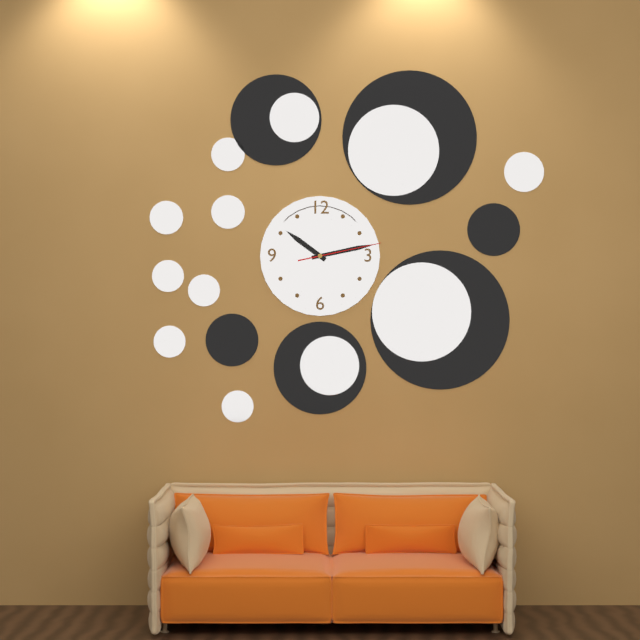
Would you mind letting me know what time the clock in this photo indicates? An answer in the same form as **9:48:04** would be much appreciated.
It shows **10:13:13**
